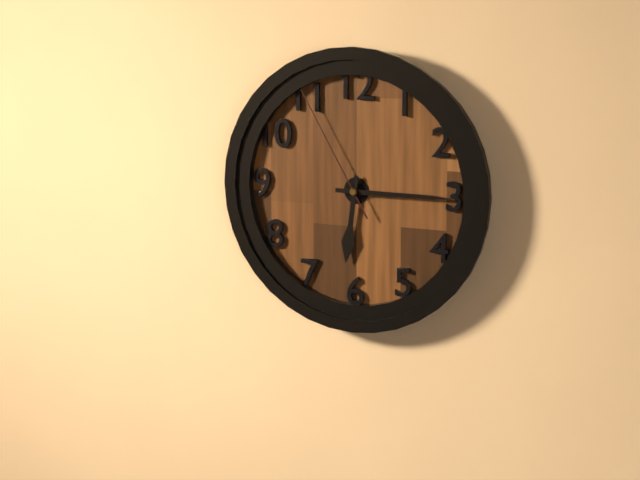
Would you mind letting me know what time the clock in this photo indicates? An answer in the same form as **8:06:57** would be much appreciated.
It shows **6:15:55**
